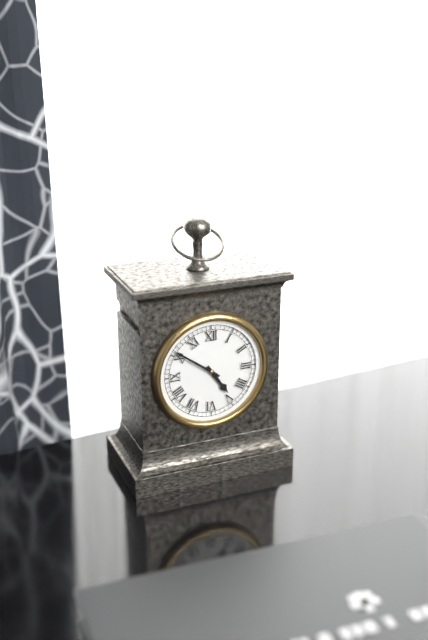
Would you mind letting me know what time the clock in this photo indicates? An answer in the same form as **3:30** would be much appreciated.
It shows **4:51**
